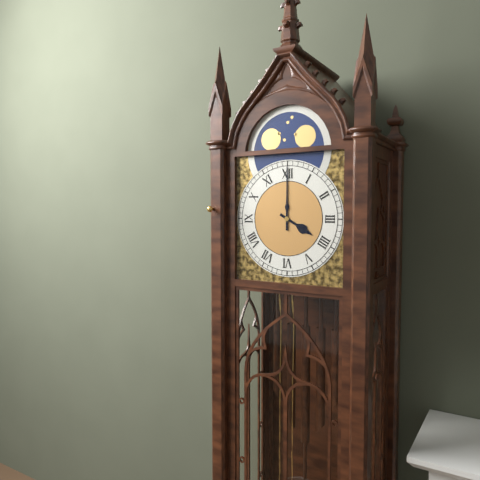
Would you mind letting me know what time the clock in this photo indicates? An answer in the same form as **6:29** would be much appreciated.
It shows **4:00**
